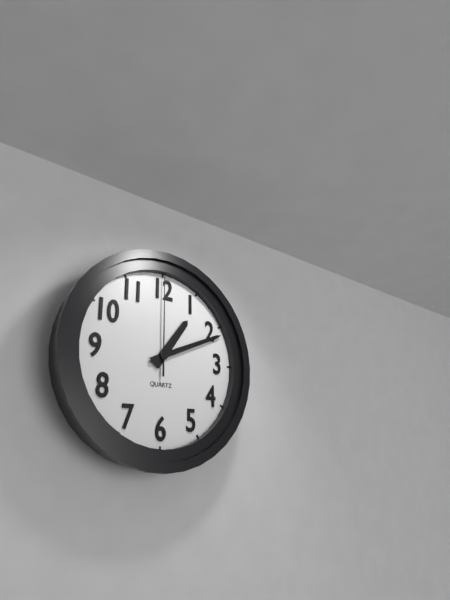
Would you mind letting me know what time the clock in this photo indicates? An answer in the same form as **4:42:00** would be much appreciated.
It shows **1:11:00**
